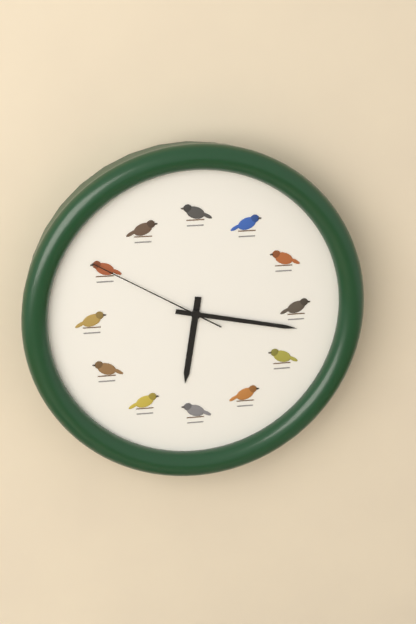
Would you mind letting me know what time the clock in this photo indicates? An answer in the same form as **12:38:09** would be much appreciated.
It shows **6:17:50**
